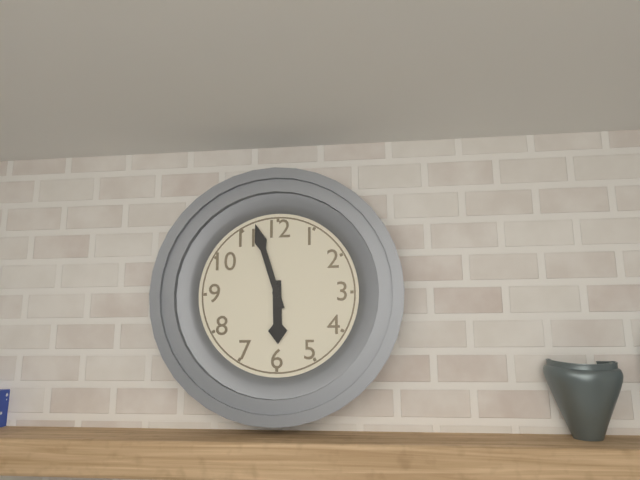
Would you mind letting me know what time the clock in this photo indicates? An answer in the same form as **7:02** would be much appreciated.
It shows **5:57**
